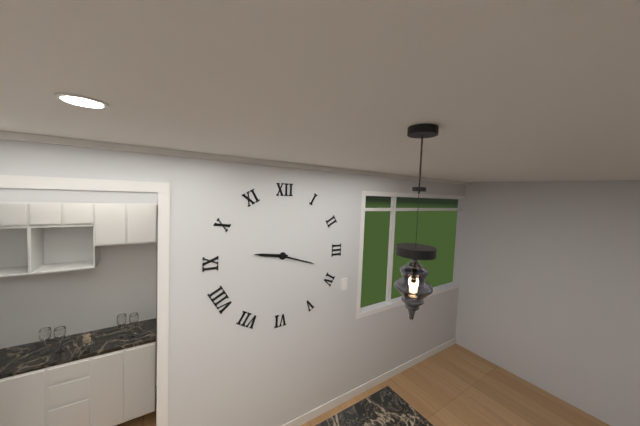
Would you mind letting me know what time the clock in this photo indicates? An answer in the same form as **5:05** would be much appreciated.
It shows **9:18**
